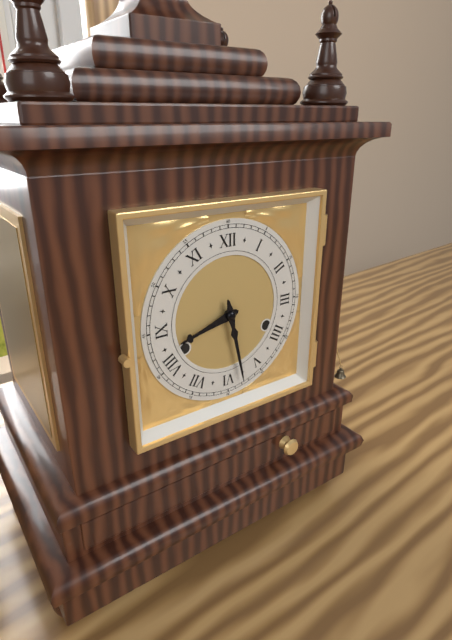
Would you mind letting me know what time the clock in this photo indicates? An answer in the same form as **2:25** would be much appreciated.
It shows **8:28**
